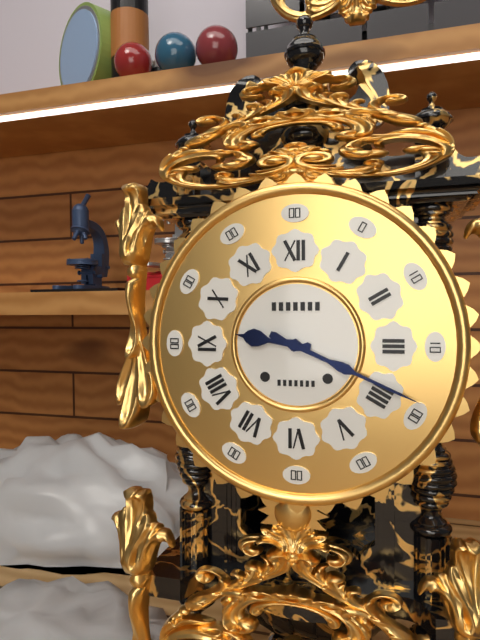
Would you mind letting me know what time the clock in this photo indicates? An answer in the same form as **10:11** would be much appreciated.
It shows **9:19**
